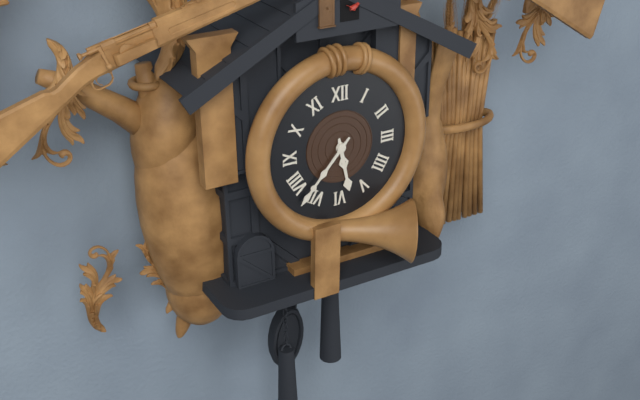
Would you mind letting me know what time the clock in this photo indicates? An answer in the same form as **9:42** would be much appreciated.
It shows **5:37**
